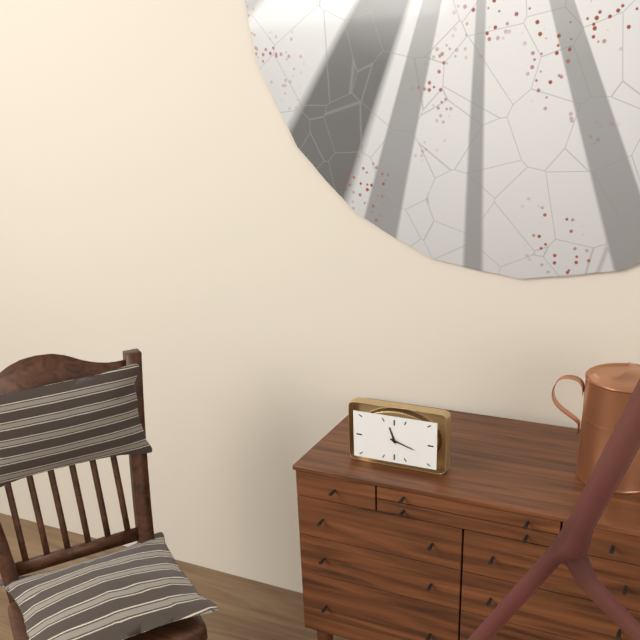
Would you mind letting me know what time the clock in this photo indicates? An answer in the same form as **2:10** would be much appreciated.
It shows **11:18**
